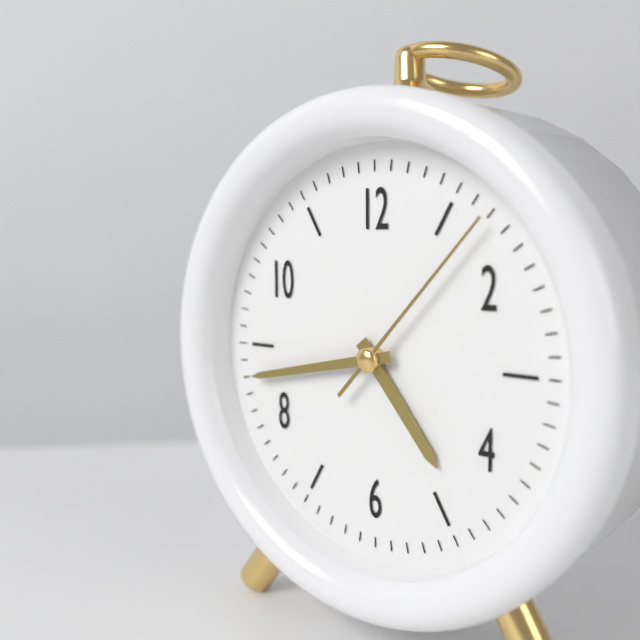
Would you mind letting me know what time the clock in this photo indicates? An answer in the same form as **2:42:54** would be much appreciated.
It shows **4:43:07**
